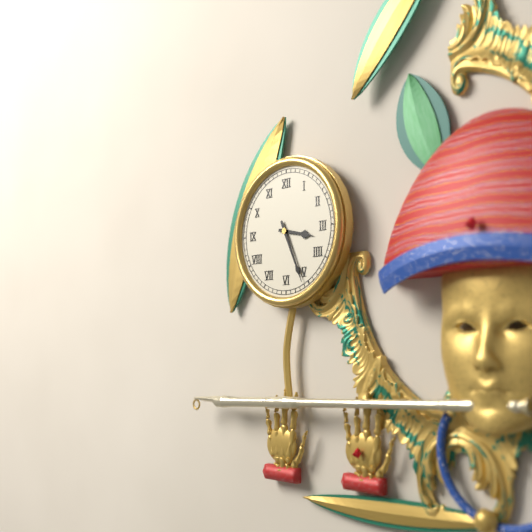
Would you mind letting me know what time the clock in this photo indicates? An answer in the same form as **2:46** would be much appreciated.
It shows **3:26**
